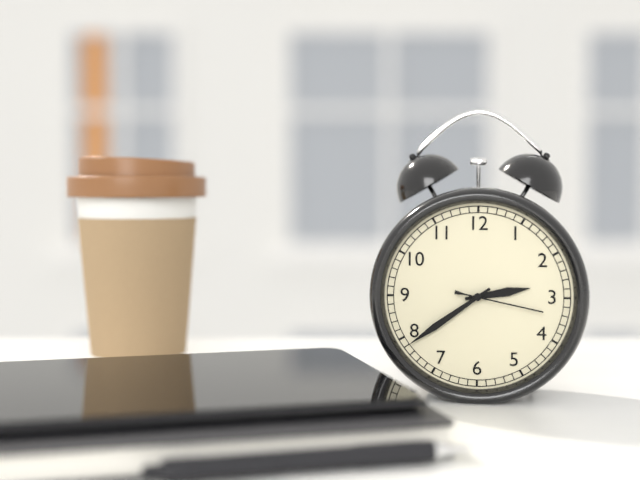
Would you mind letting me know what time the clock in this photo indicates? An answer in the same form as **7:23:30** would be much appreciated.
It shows **2:39:17**
